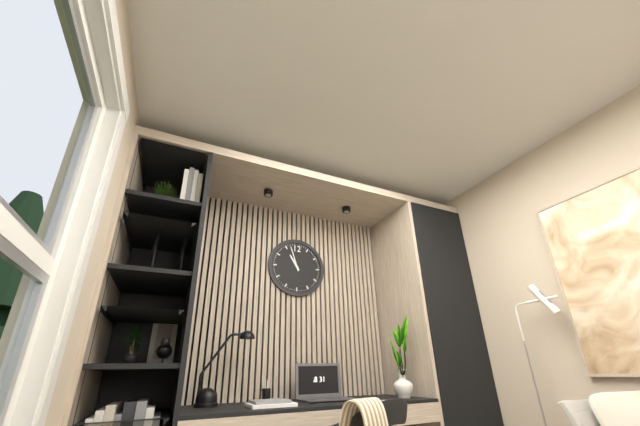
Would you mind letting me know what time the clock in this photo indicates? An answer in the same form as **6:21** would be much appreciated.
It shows **10:57**
